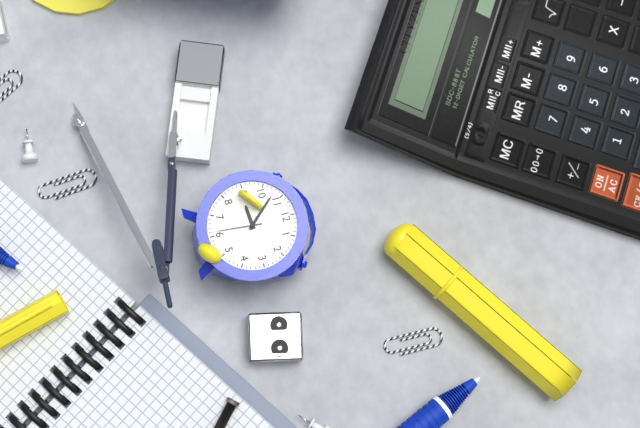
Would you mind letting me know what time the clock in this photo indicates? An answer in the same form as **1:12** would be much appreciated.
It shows **8:53**
